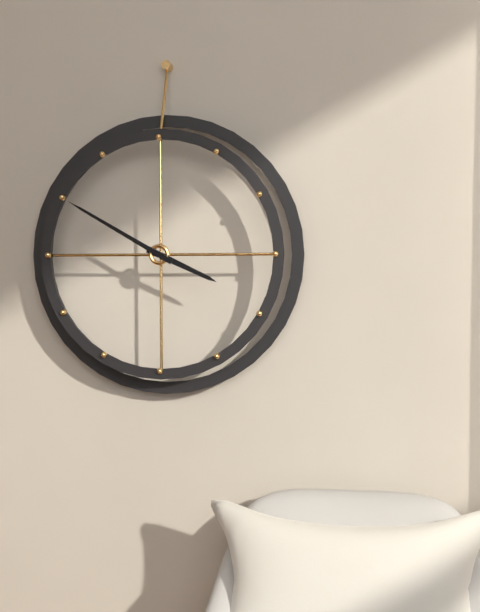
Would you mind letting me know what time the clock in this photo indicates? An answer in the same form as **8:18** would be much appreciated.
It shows **3:50**
